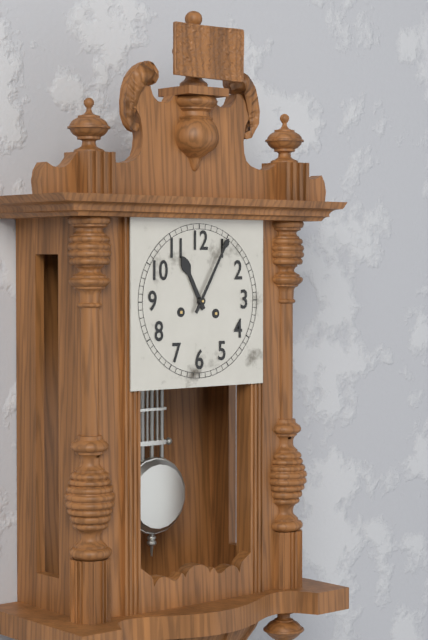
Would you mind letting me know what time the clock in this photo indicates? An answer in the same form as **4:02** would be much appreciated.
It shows **11:05**
